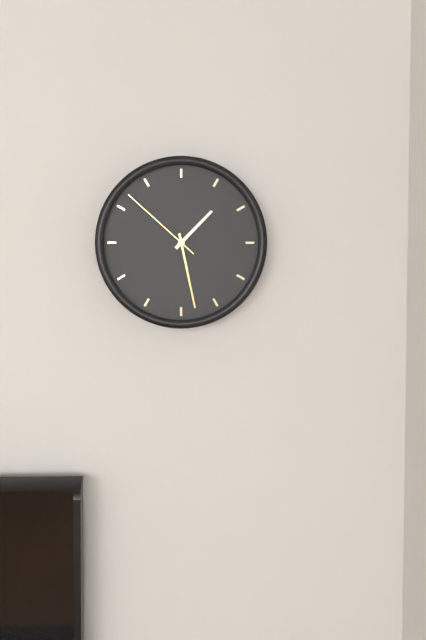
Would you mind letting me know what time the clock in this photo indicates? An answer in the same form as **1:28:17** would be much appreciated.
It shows **1:28:52**
